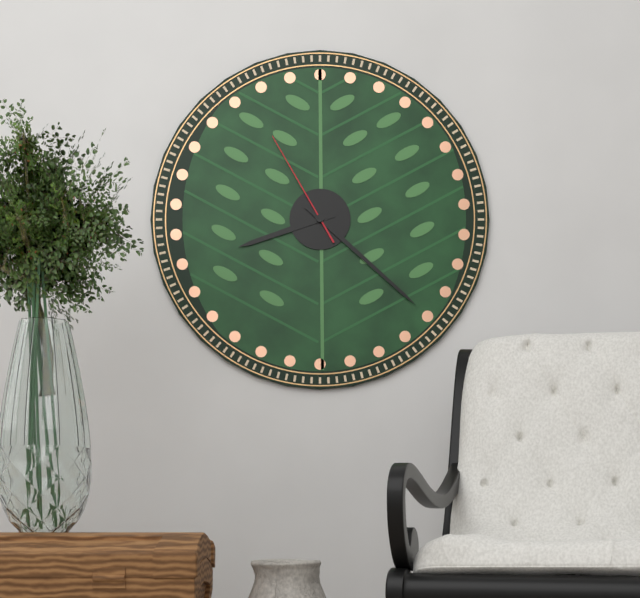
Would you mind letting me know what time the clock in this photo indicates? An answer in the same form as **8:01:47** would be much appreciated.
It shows **8:22:55**
